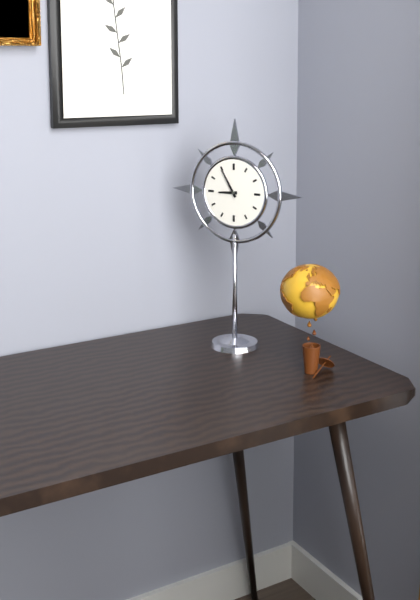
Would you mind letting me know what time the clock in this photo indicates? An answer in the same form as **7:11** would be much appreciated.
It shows **8:55**
